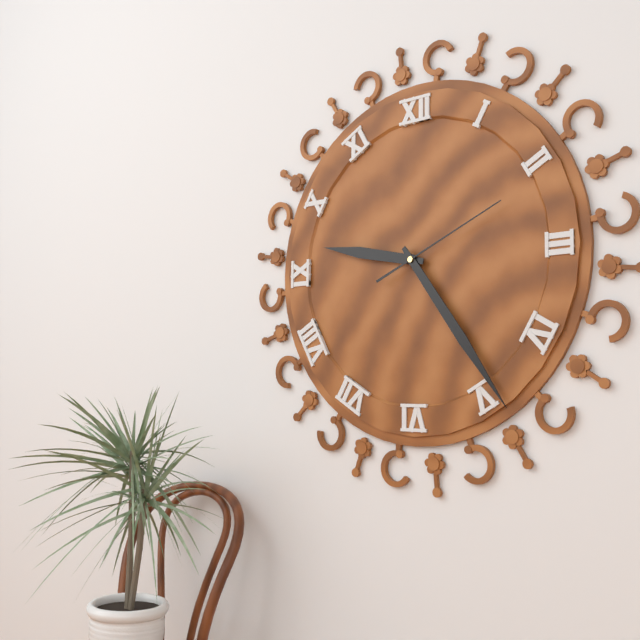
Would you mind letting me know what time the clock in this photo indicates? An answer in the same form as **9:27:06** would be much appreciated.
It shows **9:24:11**
